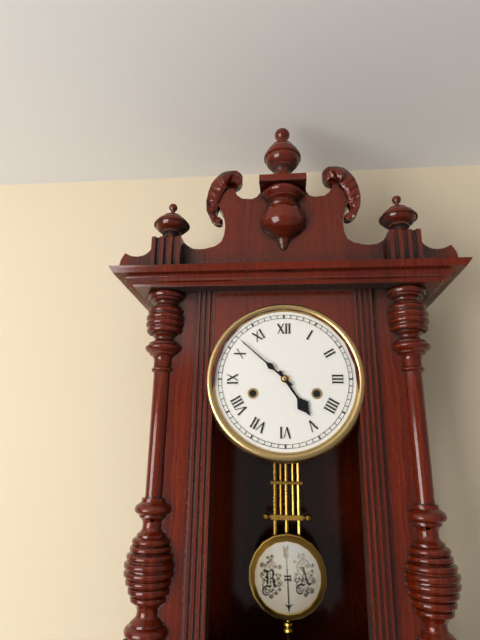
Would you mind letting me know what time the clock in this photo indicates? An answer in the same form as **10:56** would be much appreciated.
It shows **4:52**
